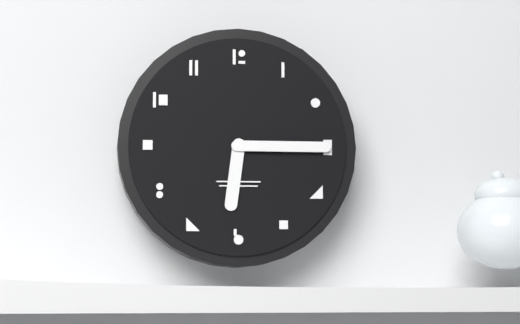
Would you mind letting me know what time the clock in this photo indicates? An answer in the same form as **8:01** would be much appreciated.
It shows **6:15**
